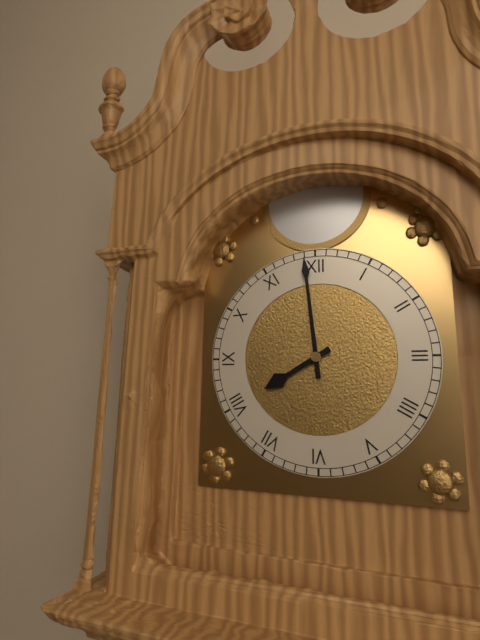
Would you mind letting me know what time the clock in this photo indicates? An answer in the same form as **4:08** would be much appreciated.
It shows **7:59**
